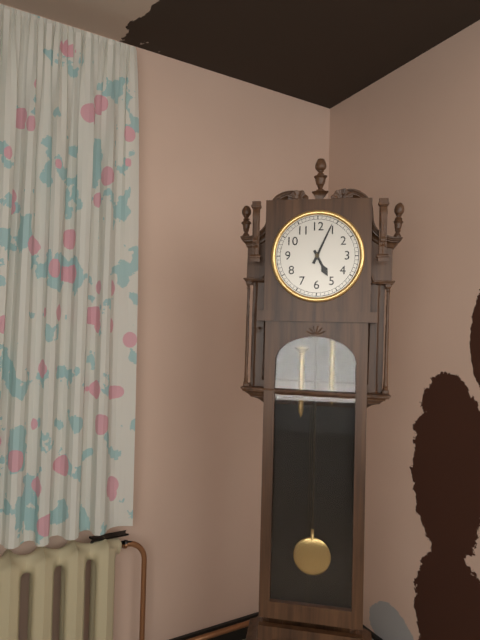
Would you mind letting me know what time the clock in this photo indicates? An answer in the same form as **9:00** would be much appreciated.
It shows **5:04**
